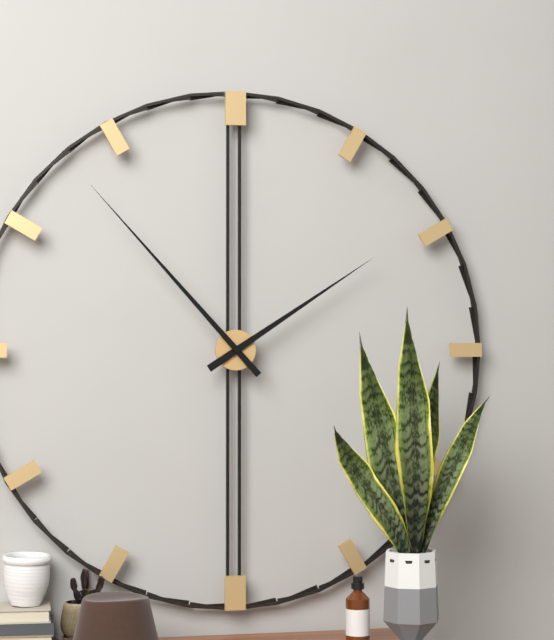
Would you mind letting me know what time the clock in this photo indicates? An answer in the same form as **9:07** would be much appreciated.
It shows **1:53**
